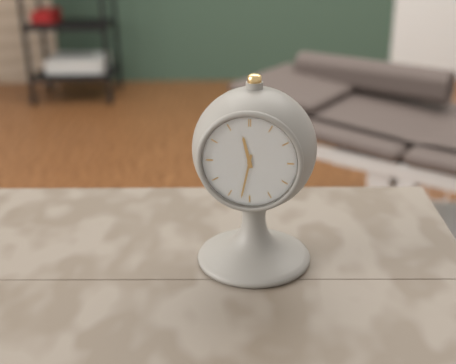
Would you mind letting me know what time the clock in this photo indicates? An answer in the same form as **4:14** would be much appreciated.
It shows **11:32**
